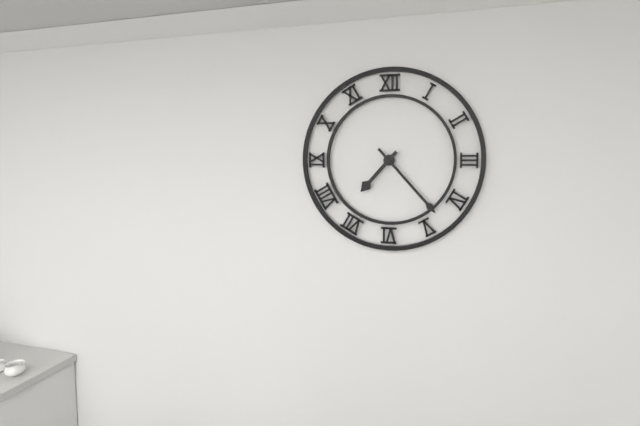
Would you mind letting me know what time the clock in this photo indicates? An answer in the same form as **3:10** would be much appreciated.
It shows **7:23**
